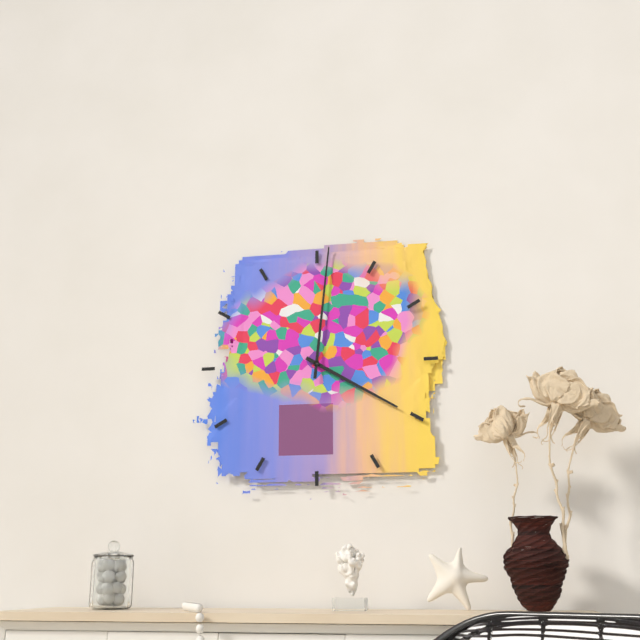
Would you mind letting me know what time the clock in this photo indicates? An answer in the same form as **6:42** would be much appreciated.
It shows **4:01**
